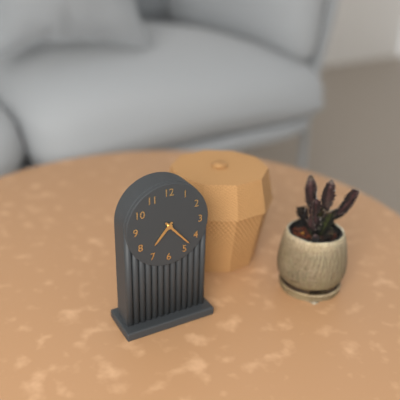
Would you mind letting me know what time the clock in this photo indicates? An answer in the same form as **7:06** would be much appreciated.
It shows **7:23**
